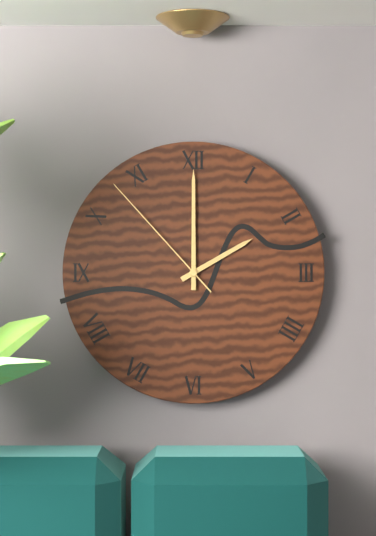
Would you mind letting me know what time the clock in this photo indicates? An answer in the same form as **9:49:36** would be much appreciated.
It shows **2:00:53**
